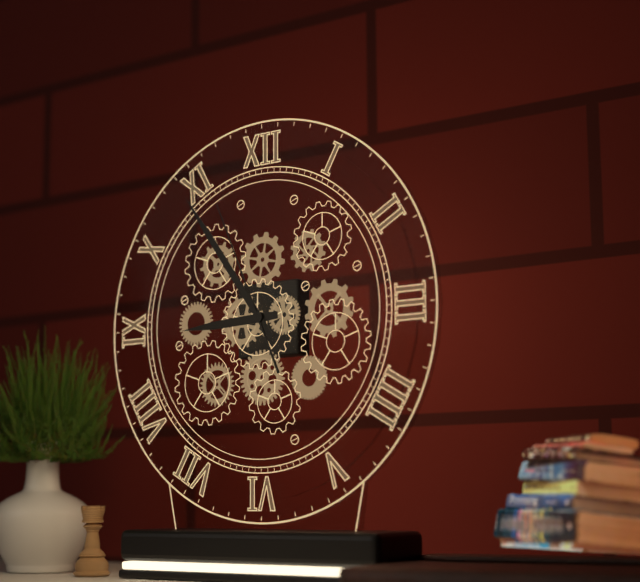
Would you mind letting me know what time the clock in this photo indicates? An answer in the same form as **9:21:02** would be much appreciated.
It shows **8:54:56**
